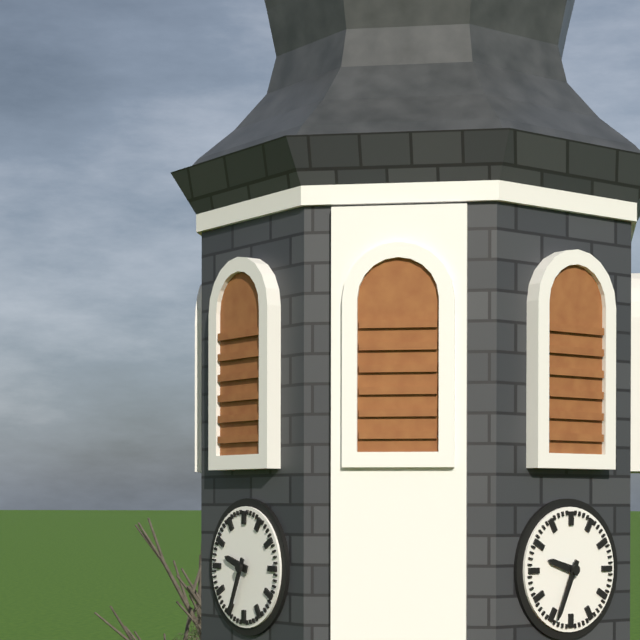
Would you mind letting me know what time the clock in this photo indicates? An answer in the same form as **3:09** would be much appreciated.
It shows **9:34**
